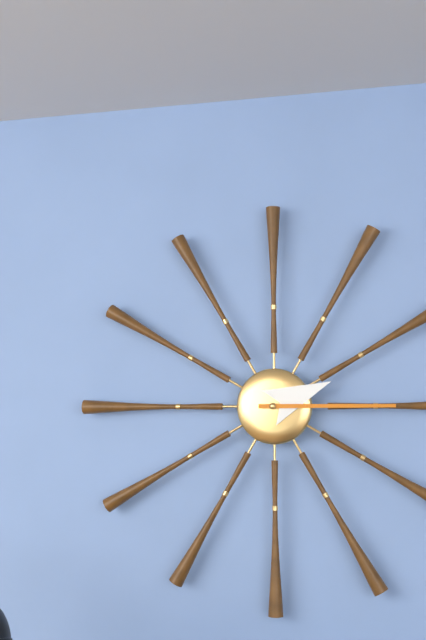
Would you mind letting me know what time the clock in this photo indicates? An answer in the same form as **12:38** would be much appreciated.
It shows **2:15**
